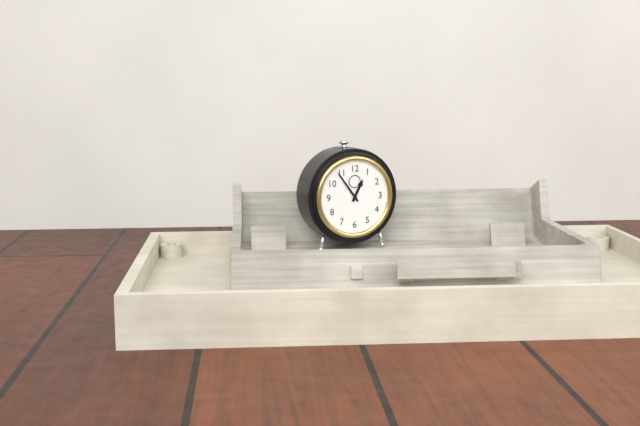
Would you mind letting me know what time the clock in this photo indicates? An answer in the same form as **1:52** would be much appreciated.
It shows **12:54**
